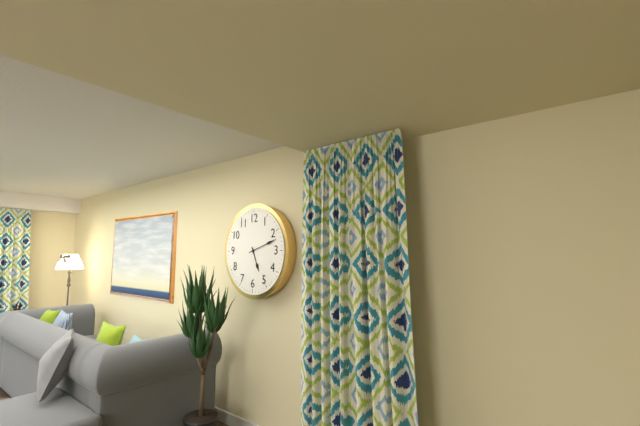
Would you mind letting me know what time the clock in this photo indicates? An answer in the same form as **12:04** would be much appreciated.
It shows **5:12**
